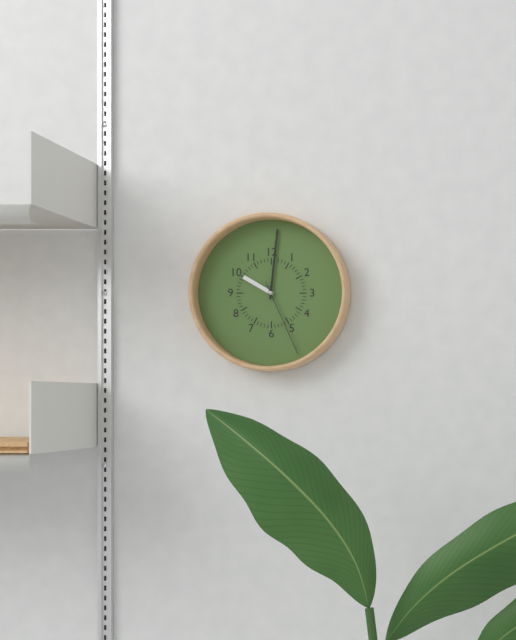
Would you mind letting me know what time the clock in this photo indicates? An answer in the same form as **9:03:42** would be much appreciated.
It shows **10:01:26**
